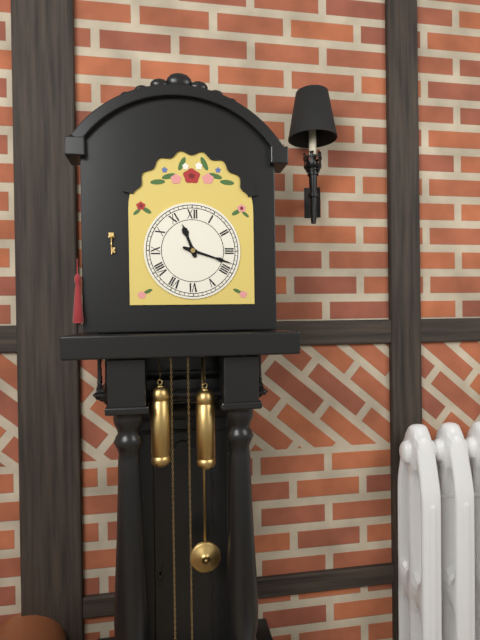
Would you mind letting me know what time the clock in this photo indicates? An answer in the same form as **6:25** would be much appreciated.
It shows **11:18**
